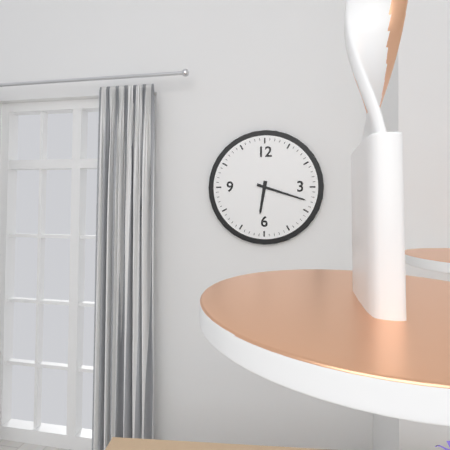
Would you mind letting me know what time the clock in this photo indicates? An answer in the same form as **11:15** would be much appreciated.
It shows **6:18**
